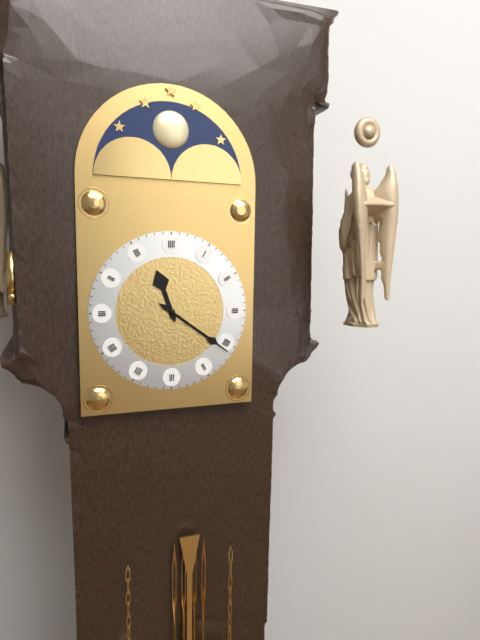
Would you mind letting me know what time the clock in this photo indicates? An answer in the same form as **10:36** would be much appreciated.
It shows **11:21**
